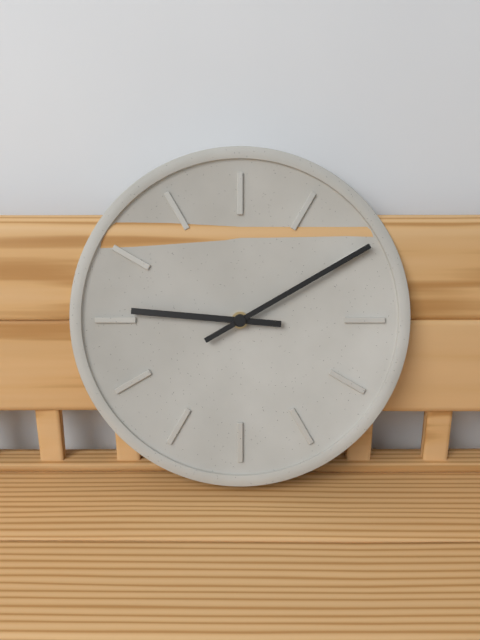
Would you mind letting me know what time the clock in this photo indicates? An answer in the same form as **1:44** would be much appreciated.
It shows **9:10**
